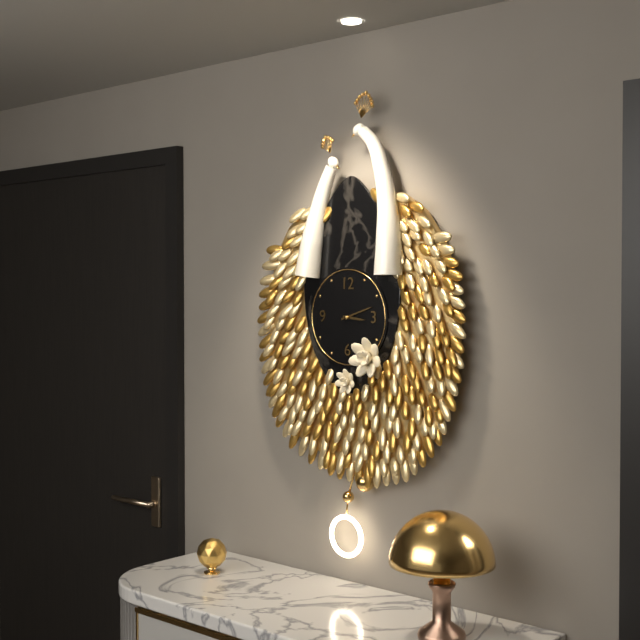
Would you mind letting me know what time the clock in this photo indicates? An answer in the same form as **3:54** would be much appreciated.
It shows **3:12**
